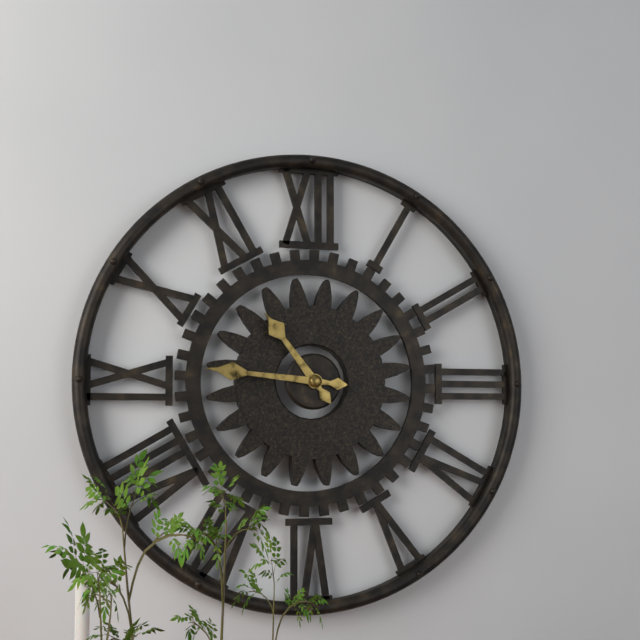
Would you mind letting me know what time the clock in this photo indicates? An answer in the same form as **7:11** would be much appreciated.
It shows **10:46**
